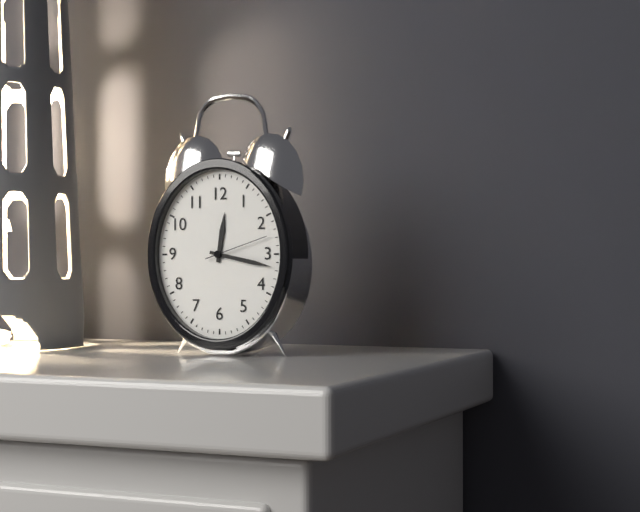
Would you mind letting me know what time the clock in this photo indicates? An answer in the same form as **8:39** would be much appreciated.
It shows **12:17**
